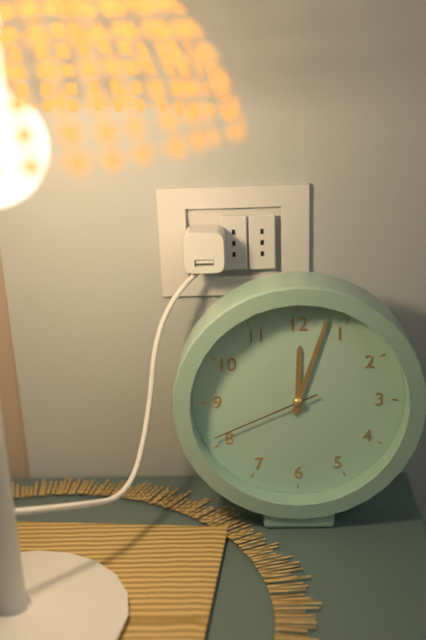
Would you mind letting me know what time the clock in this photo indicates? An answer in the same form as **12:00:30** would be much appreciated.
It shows **12:03:41**
